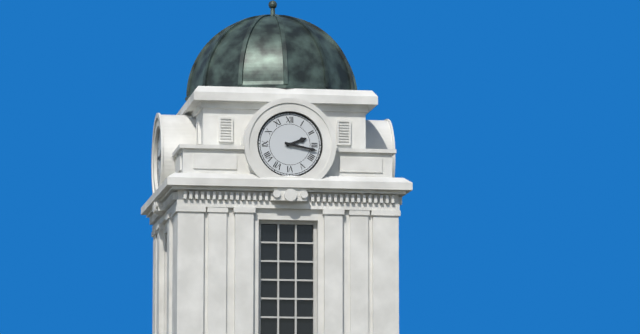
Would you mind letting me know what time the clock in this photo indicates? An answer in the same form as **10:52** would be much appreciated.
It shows **2:17**
